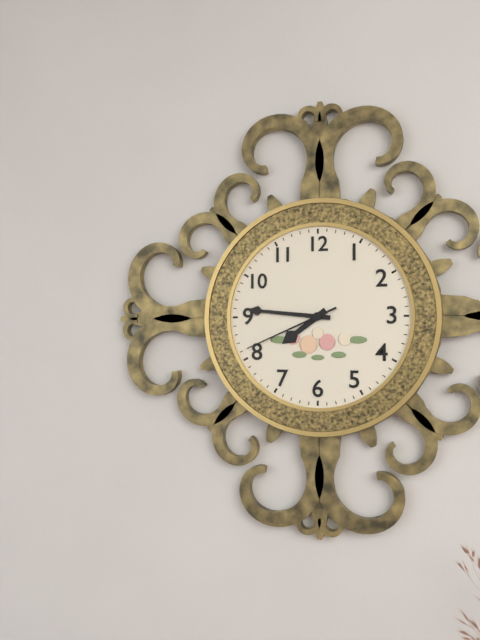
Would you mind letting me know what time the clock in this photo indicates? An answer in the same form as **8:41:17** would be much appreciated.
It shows **7:46:41**
